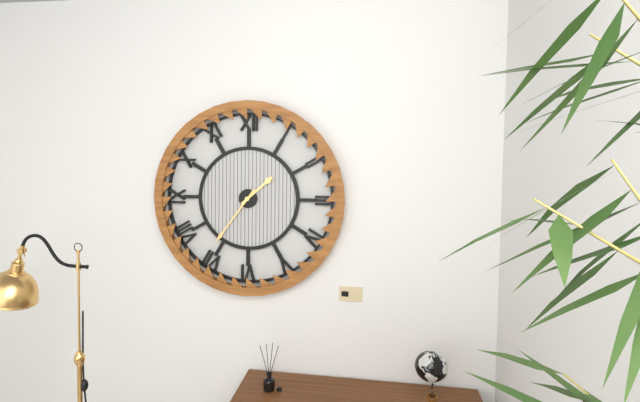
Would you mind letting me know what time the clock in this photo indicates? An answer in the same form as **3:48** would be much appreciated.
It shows **1:36**
